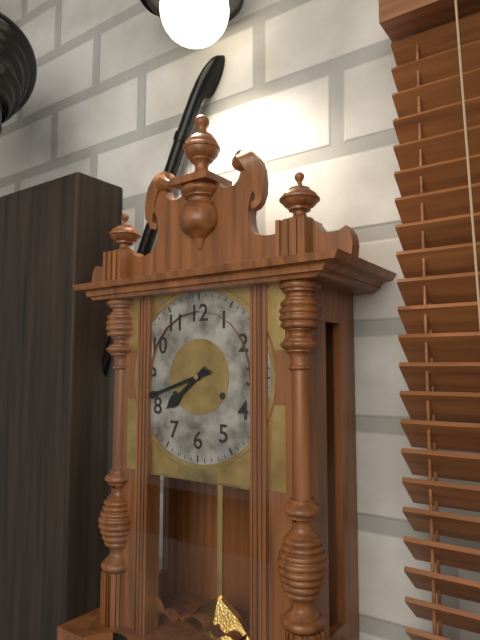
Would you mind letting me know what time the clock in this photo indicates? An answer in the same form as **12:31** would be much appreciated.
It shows **7:42**
